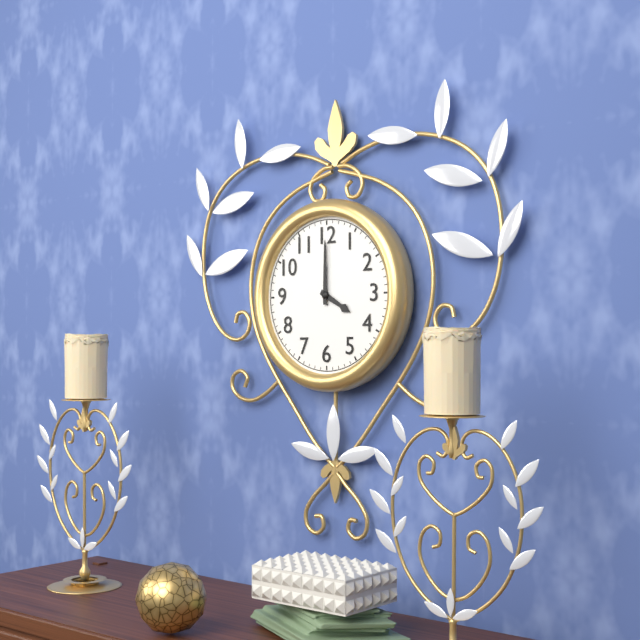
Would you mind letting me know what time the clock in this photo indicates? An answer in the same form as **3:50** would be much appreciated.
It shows **4:00**
